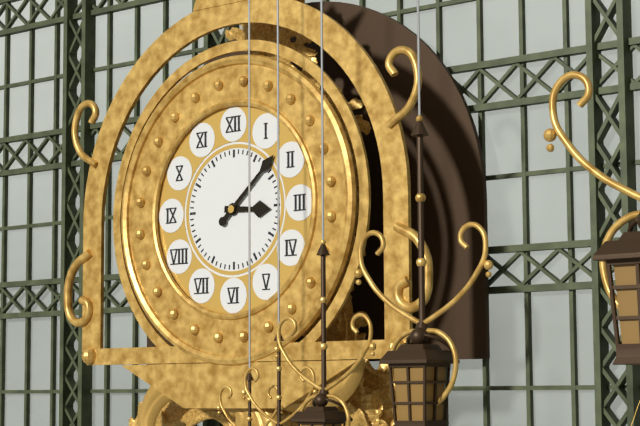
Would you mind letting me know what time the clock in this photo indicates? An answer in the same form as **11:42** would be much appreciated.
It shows **3:08**
